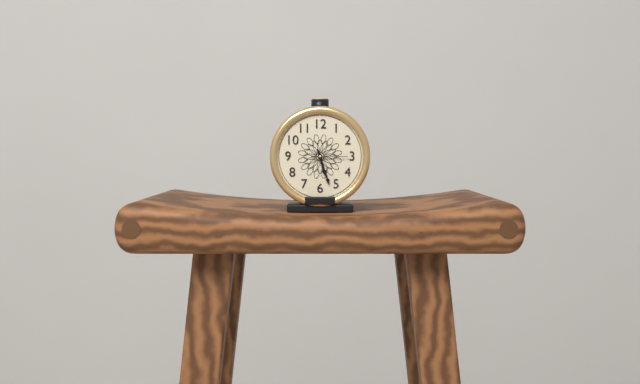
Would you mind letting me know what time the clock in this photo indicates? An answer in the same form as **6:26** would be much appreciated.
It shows **5:27**
